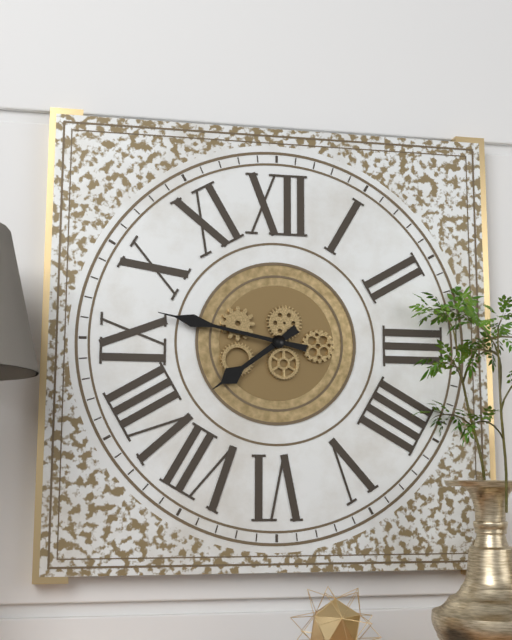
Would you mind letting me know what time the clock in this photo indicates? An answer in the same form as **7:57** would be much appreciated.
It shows **7:47**
